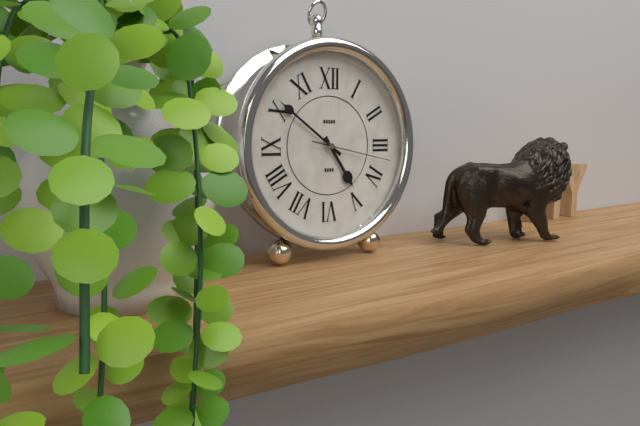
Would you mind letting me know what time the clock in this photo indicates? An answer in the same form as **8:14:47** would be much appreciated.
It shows **4:51:17**
